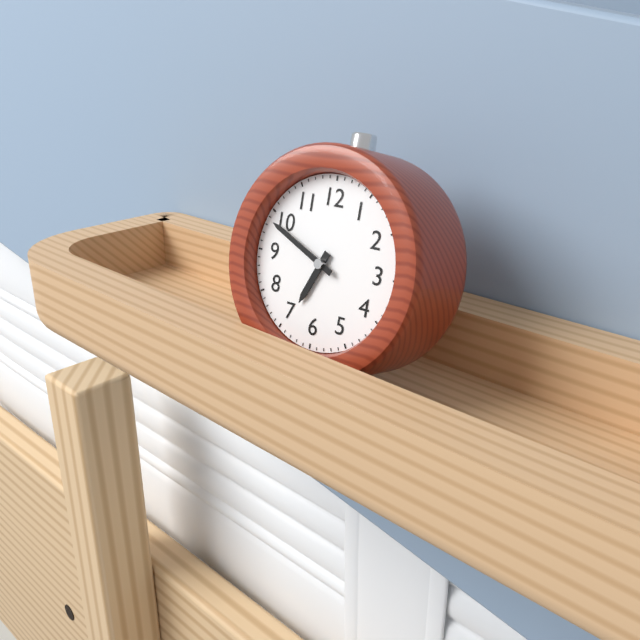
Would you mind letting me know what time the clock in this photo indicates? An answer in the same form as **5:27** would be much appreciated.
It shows **6:49**
